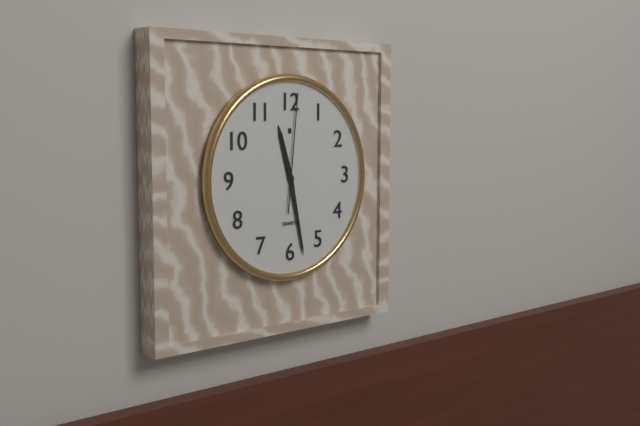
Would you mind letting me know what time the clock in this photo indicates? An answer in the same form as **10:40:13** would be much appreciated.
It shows **11:28:01**
